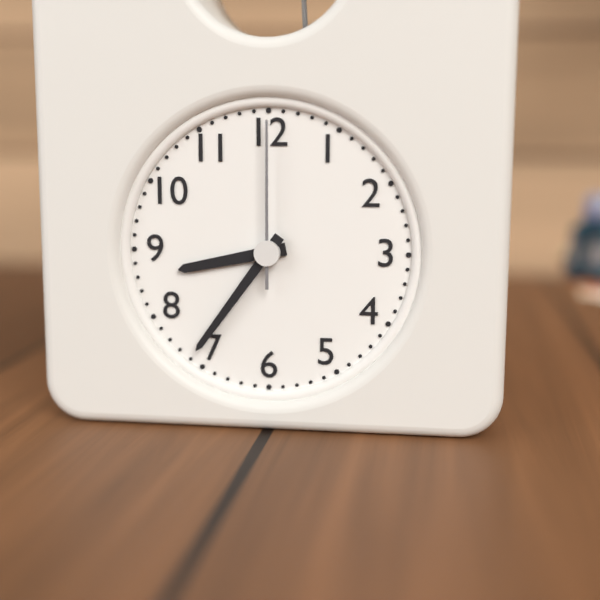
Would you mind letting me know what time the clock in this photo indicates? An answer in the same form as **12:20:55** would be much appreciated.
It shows **8:36:00**
